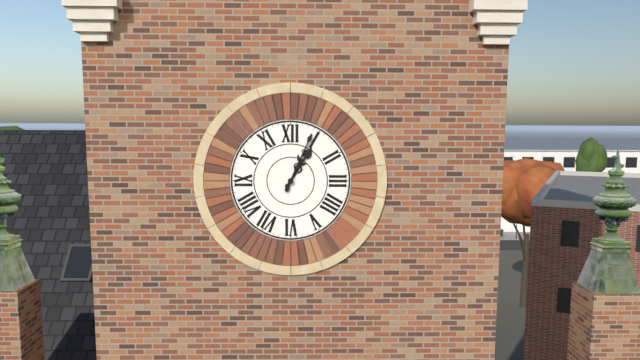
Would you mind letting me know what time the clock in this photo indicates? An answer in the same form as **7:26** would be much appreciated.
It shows **1:04**
